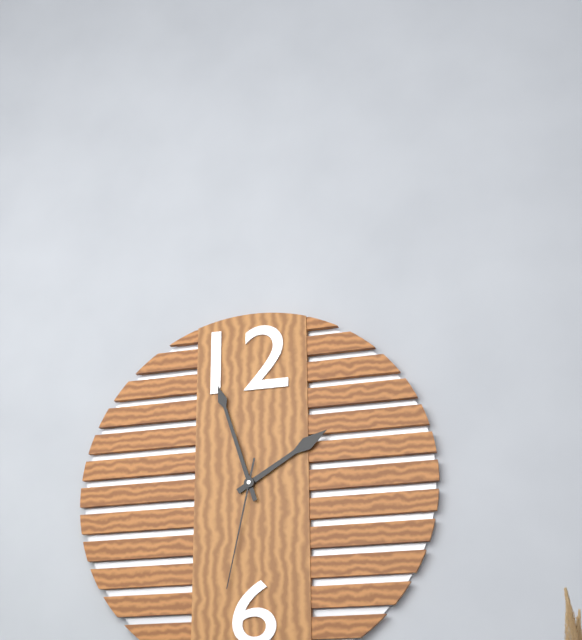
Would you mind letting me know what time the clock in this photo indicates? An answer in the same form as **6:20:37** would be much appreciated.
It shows **1:57:32**
